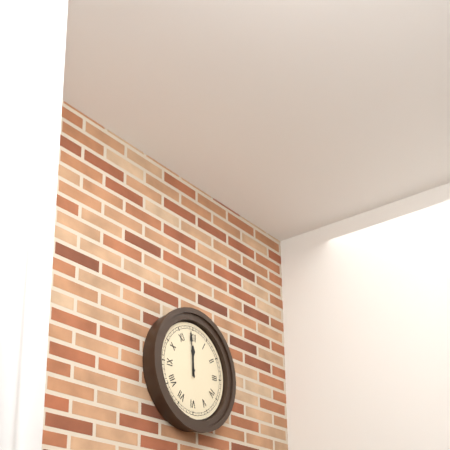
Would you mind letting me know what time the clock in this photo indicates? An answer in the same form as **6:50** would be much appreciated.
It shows **11:59**
